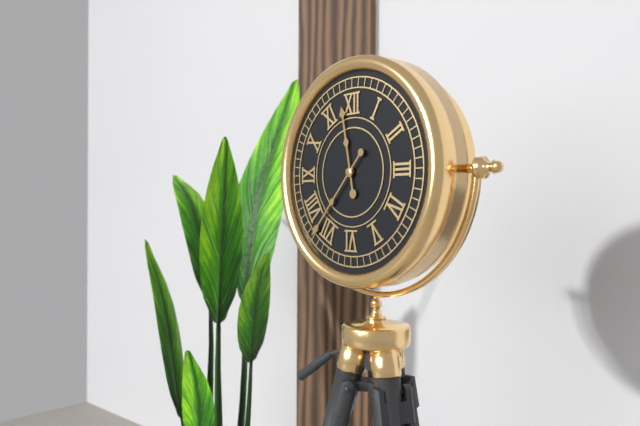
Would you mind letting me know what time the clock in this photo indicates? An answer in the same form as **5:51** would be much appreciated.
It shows **11:37**
